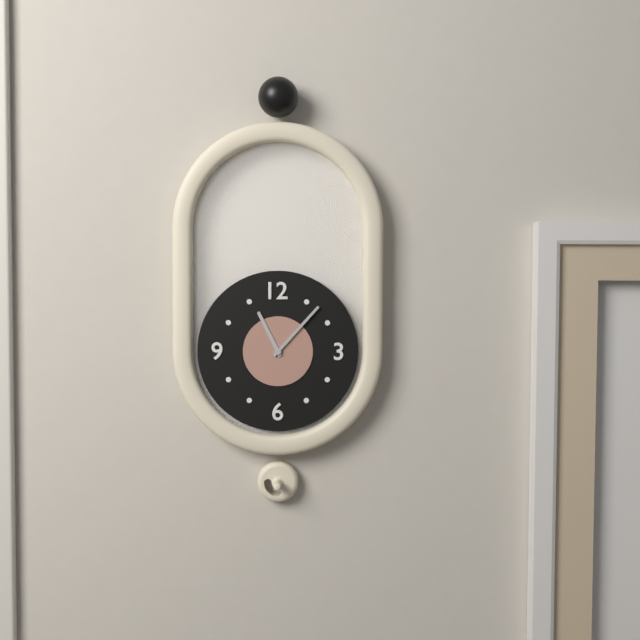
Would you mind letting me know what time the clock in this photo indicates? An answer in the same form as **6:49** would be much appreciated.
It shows **11:07**
